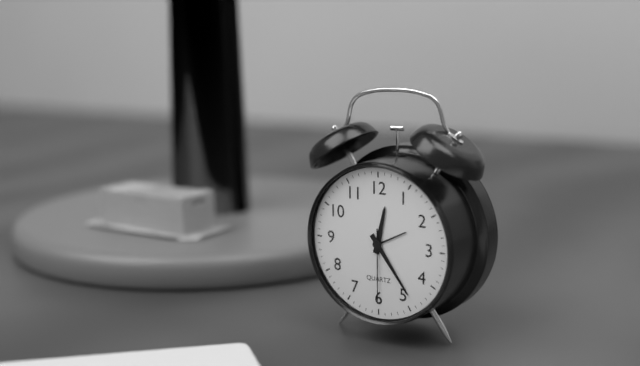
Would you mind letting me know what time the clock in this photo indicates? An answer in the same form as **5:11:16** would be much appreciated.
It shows **12:24:30**
